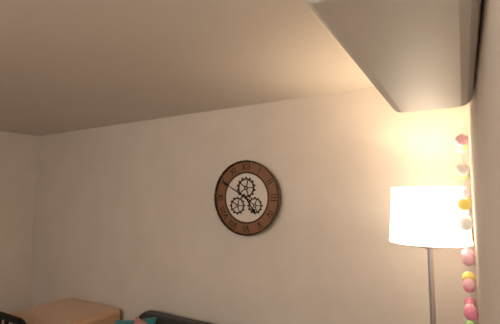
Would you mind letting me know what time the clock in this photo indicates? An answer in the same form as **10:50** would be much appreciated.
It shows **4:50**
